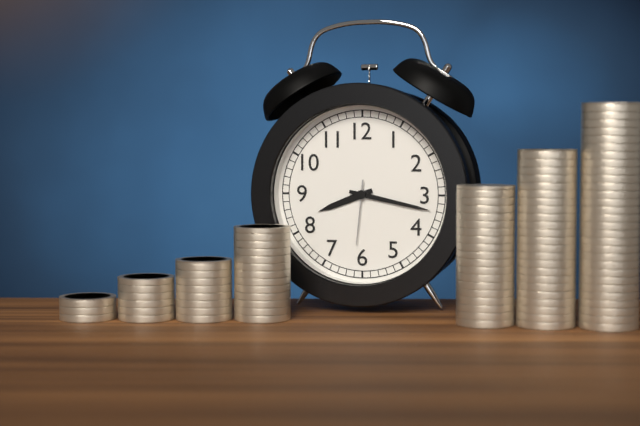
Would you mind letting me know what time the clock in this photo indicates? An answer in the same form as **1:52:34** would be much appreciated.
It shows **8:17:31**
